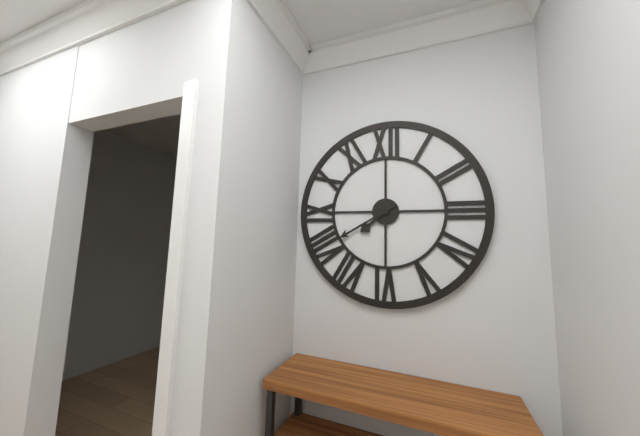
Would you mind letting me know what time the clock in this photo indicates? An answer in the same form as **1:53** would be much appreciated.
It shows **7:40**
